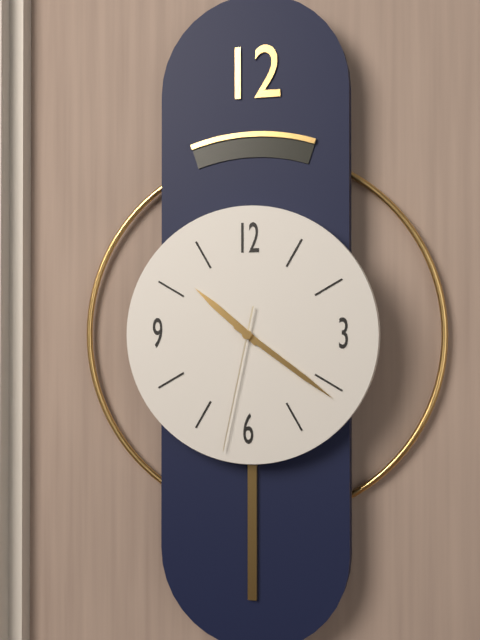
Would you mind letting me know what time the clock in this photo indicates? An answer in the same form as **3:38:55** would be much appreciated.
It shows **10:21:32**
